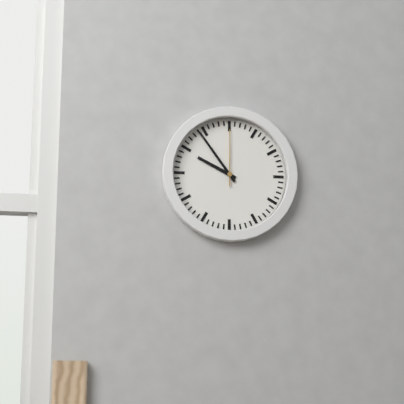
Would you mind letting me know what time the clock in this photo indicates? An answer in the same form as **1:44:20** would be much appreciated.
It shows **9:54:00**
